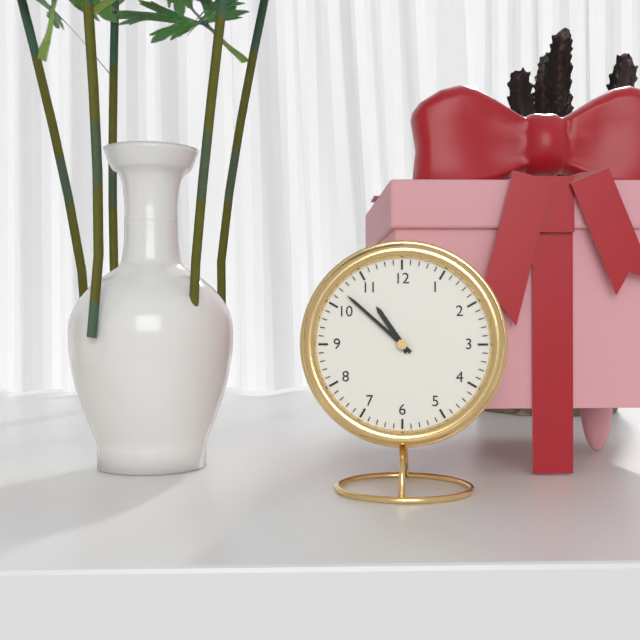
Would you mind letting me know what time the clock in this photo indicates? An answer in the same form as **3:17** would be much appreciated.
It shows **10:52**
